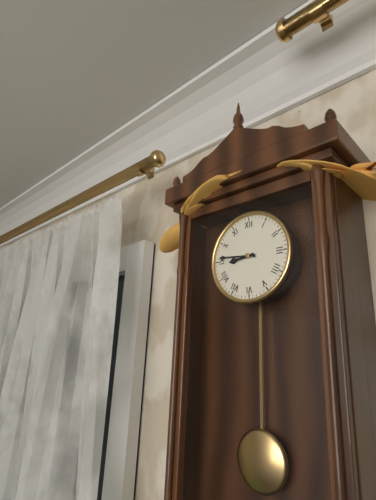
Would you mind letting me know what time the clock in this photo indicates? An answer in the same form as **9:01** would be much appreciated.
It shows **8:46**
